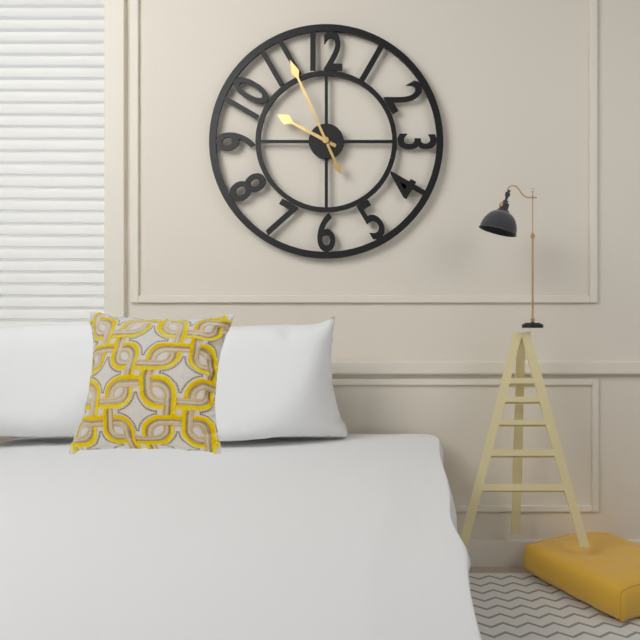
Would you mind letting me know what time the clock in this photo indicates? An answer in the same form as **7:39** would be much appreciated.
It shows **9:56**
